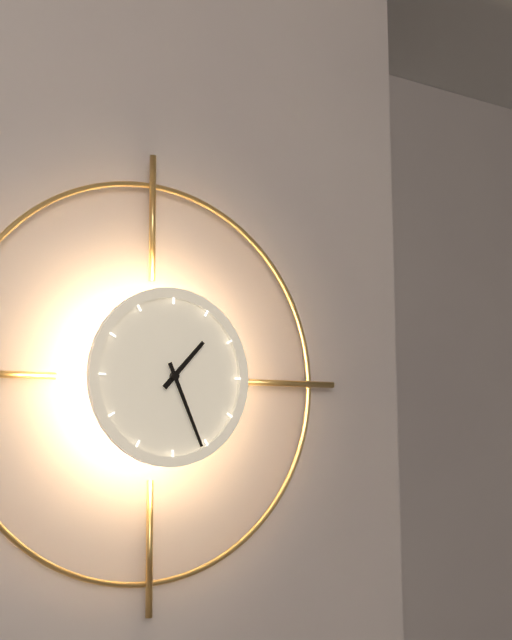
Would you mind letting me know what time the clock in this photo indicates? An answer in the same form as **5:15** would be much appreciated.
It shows **1:26**
